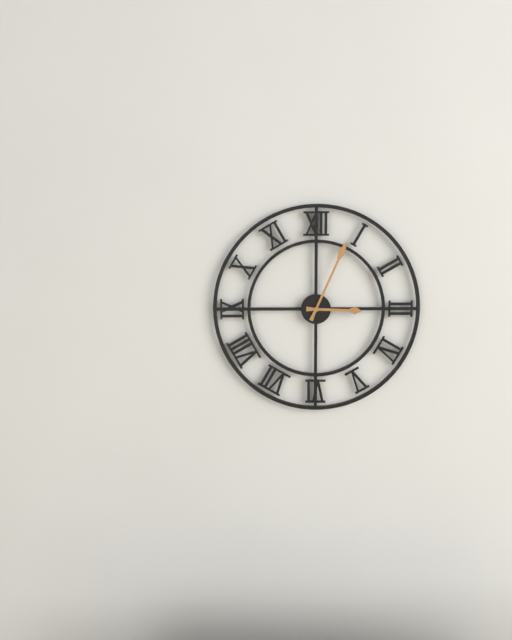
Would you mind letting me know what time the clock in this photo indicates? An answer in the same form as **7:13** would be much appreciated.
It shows **3:04**
